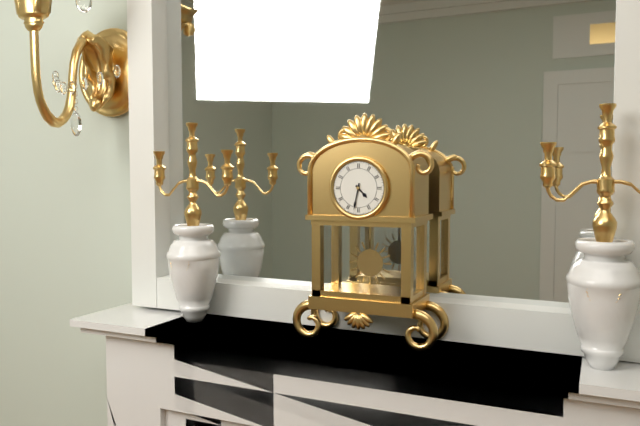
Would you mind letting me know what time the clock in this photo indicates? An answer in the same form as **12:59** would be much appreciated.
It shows **4:32**
